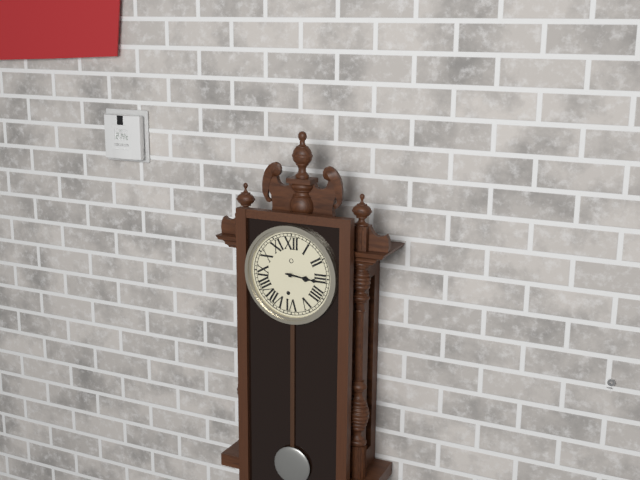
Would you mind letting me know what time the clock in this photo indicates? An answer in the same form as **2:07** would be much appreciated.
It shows **3:16**
